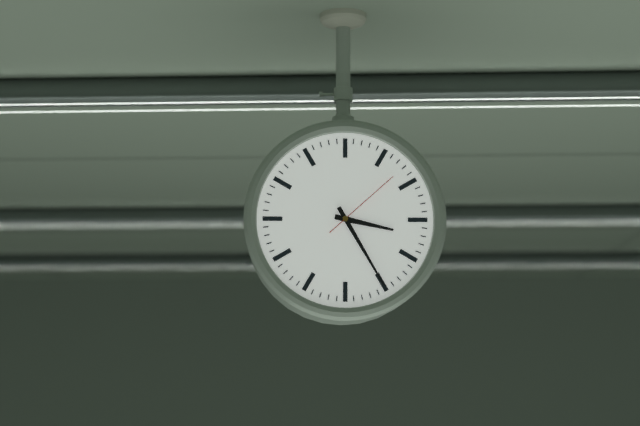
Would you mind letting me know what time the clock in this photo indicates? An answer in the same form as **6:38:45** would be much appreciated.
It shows **3:25:08**
